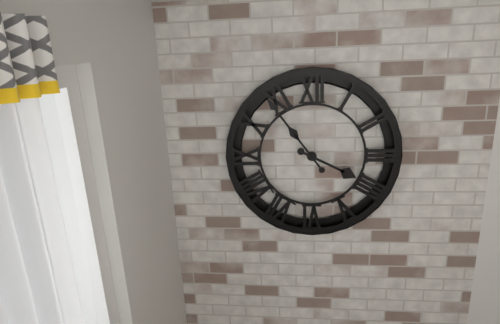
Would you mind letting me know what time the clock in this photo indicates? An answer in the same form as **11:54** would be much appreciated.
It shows **3:54**
